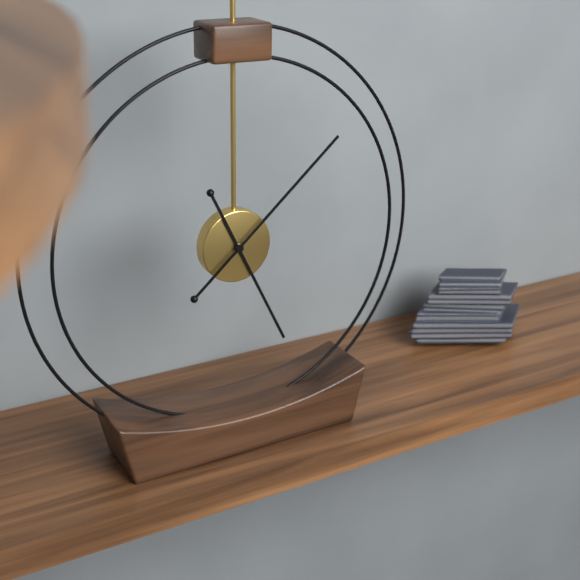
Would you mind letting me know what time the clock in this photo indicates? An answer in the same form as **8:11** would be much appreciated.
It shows **5:08**
